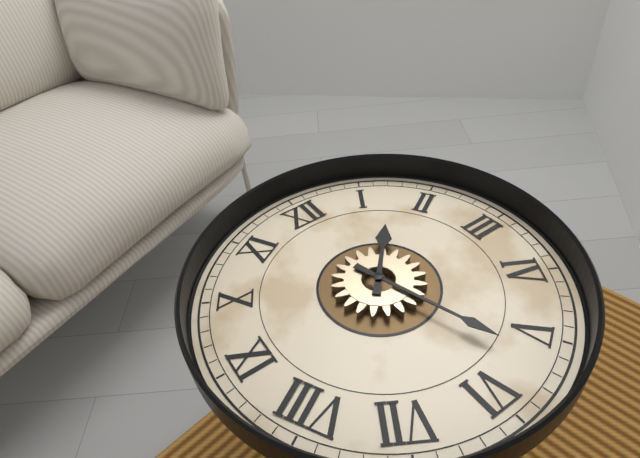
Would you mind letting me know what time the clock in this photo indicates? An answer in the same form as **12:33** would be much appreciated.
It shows **1:27**
